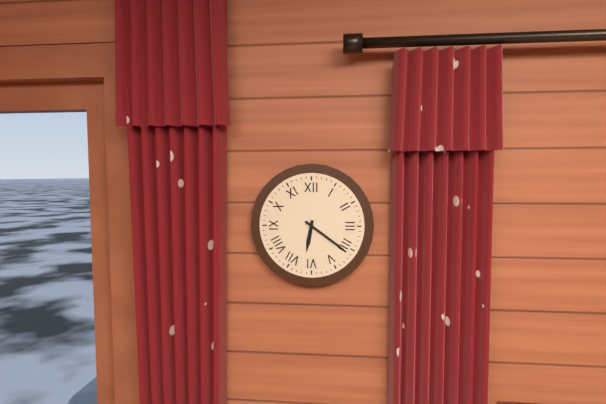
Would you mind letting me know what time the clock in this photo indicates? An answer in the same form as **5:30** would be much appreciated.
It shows **6:21**
